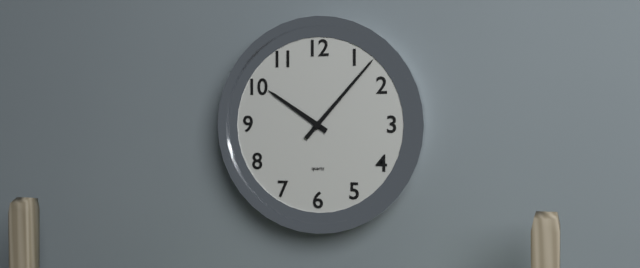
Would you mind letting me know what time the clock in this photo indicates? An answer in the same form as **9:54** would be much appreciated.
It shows **10:07**
